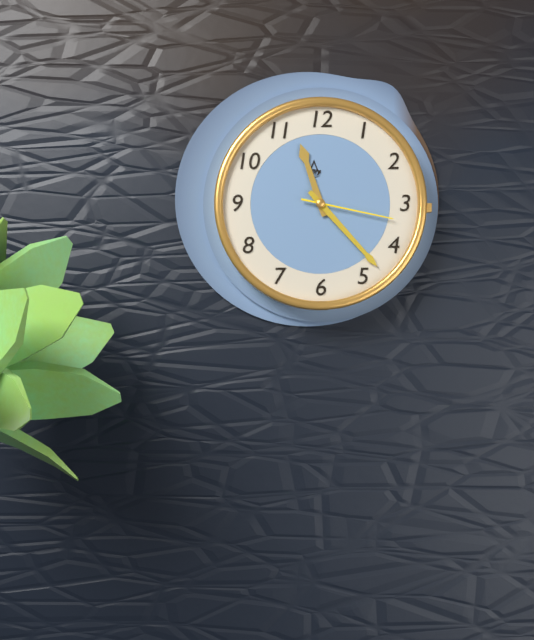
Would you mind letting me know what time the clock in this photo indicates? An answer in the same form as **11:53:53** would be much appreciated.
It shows **11:23:17**
